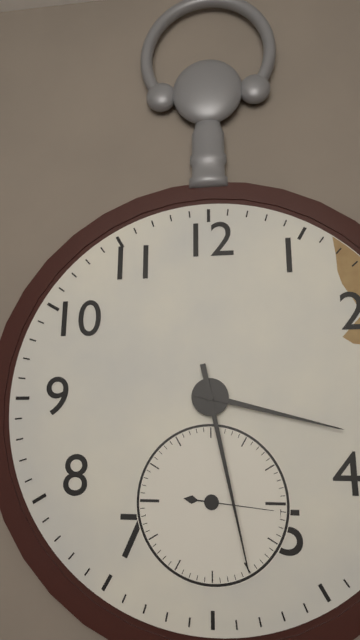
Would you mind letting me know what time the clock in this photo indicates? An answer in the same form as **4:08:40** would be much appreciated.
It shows **3:28:16**
